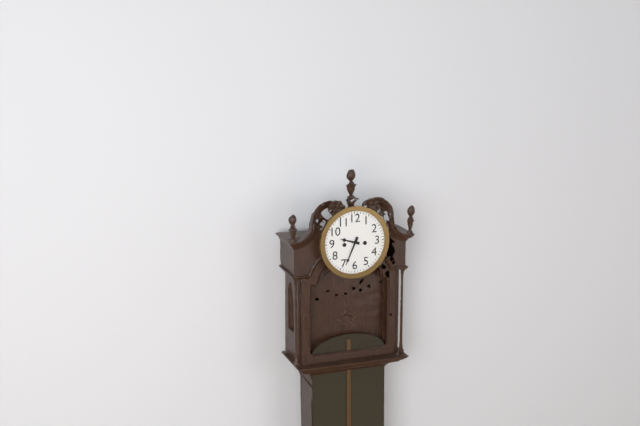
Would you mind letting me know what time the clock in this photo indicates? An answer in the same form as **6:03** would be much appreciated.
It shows **9:34**
